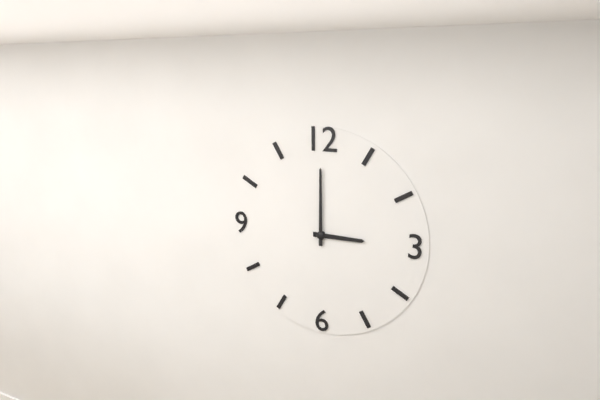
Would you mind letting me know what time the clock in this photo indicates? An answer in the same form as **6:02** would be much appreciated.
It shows **3:00**
